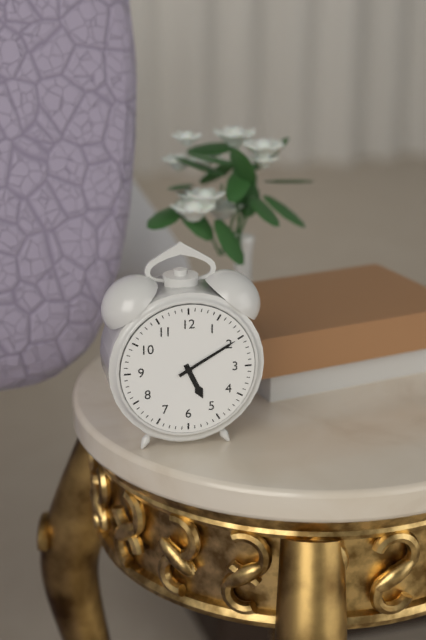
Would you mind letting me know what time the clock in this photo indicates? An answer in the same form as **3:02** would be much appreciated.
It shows **5:10**
